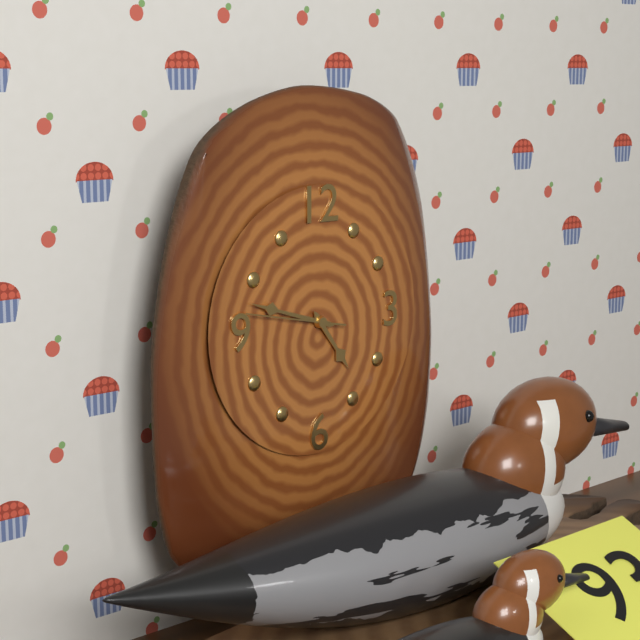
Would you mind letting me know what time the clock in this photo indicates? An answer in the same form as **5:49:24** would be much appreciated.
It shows **4:48:47**
